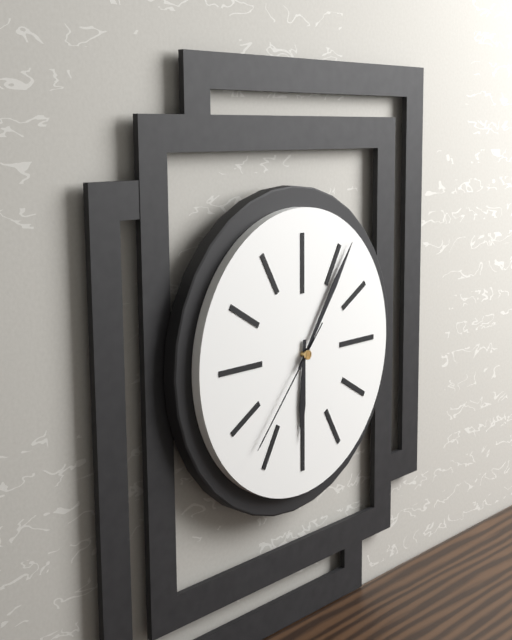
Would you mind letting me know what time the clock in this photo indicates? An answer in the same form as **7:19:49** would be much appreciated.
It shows **6:06:37**
